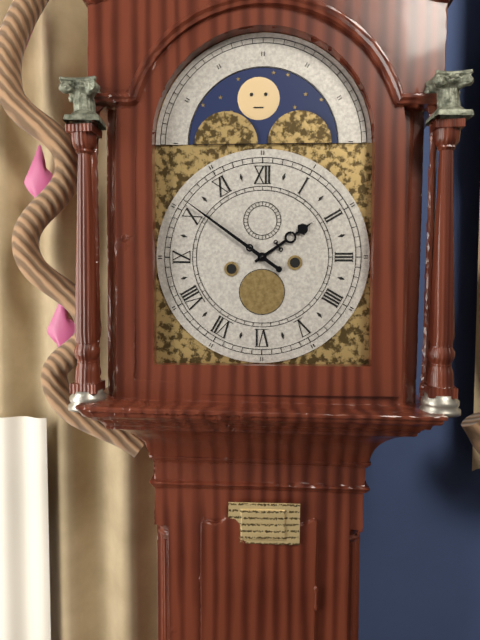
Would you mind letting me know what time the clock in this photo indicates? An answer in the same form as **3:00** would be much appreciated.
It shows **1:51**
